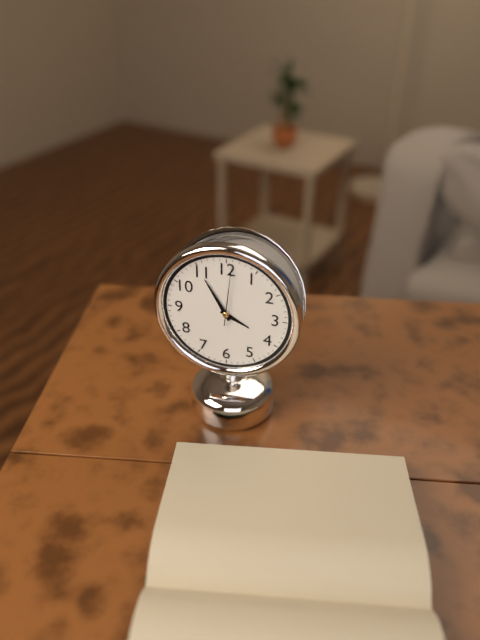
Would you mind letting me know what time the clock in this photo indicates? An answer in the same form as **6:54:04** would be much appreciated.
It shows **3:55:01**
